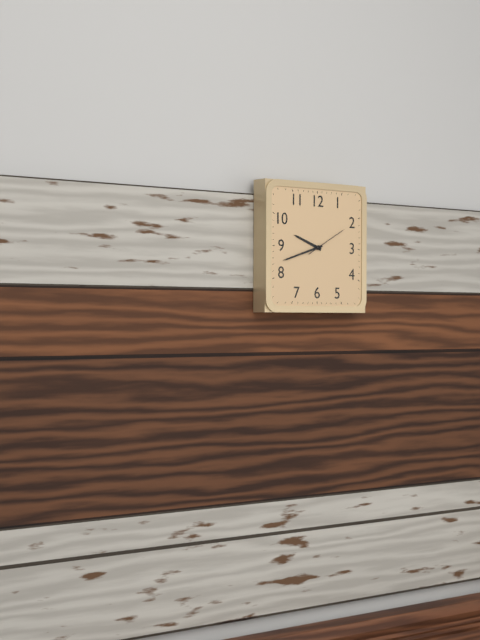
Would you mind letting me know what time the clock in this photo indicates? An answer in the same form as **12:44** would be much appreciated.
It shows **9:42**
